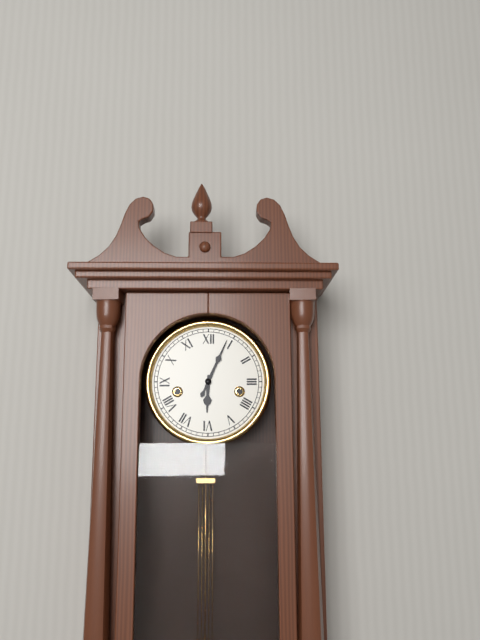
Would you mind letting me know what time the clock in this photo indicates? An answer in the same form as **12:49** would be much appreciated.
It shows **6:04**
